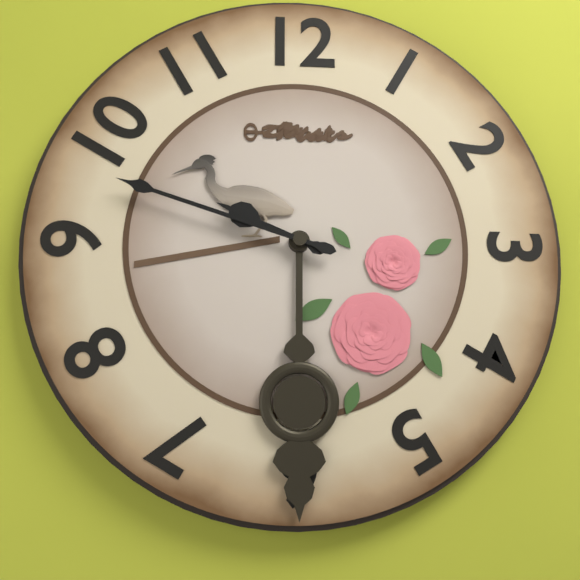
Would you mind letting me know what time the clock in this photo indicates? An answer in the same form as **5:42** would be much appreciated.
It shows **9:48**
